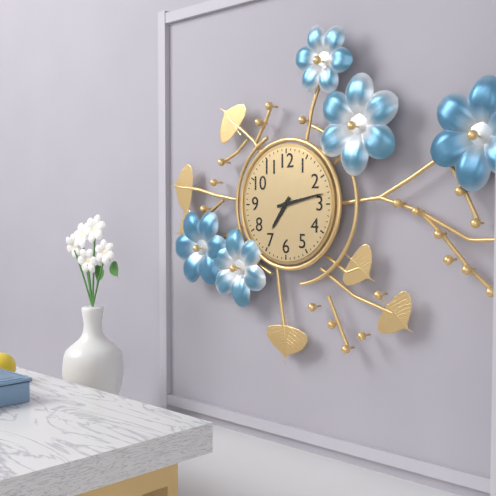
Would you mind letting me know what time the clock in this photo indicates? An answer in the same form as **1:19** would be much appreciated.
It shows **7:13**
